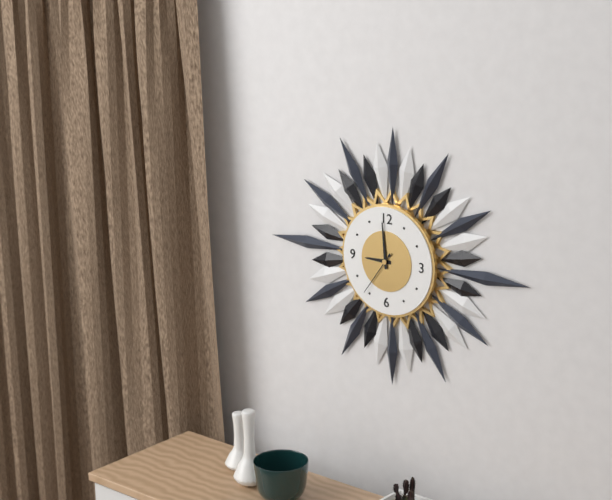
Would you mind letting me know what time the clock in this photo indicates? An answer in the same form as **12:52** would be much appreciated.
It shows **8:59**
